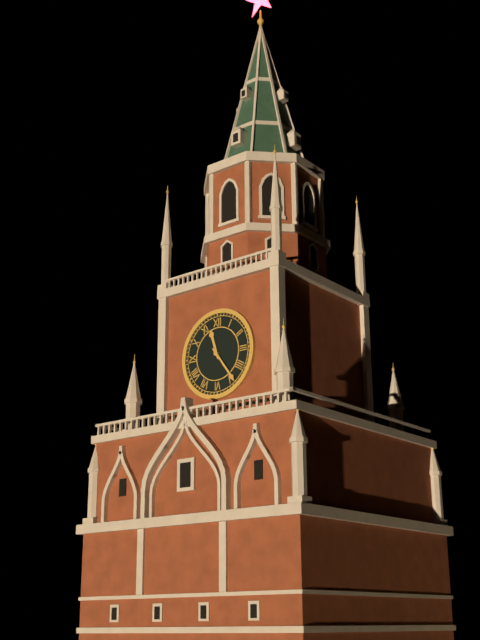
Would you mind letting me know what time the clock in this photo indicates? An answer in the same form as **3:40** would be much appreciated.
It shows **11:24**
